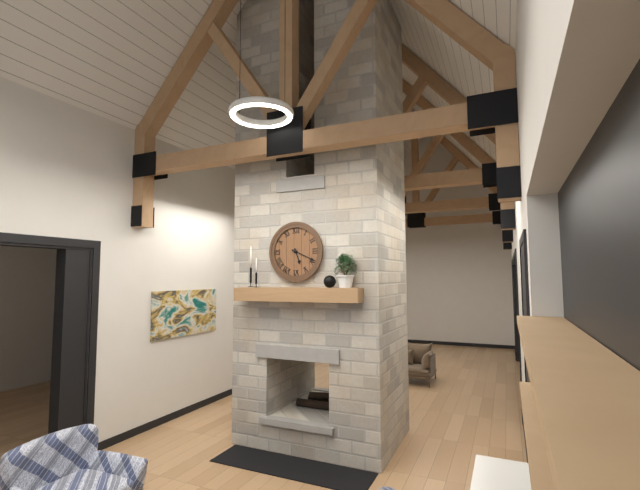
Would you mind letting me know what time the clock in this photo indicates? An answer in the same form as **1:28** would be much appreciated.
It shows **5:19**
